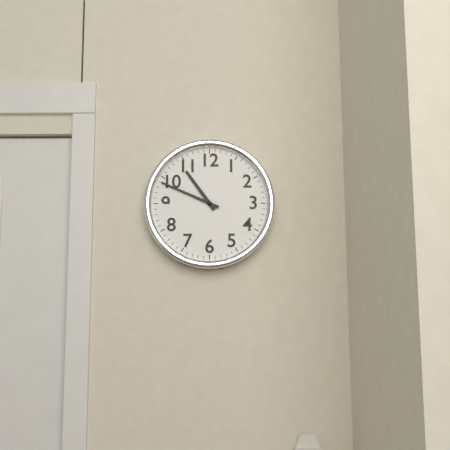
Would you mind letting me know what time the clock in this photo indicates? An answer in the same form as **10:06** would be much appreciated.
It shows **10:49**
